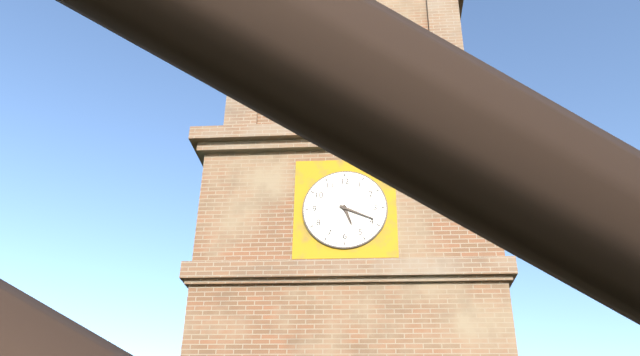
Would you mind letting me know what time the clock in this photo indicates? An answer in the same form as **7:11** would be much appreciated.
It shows **5:19**
